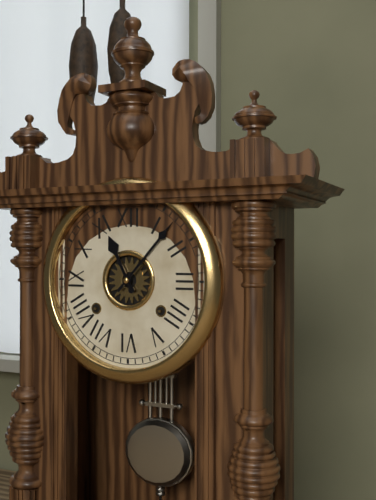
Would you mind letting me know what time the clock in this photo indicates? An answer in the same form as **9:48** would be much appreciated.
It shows **11:07**
